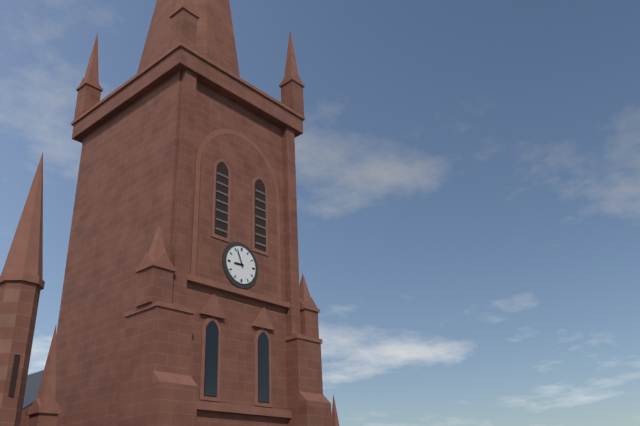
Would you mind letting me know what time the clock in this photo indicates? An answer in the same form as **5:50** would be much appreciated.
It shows **8:56**
